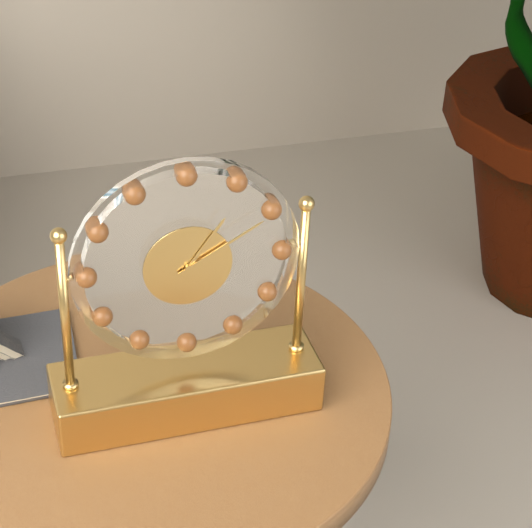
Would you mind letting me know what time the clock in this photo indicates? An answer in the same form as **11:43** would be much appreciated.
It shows **1:10**
